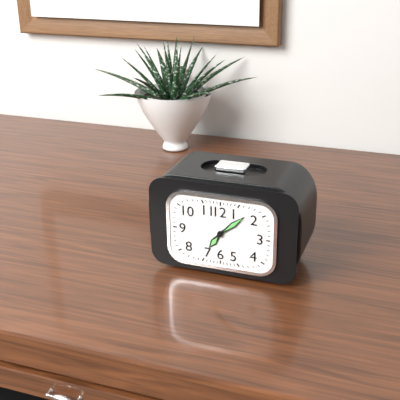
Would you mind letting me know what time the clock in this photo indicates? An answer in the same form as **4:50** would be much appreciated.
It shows **7:08**
